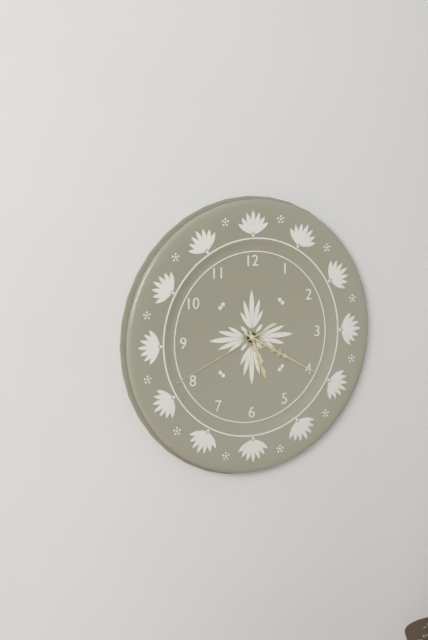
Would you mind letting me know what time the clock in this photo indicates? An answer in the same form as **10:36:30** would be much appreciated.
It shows **5:20:41**
